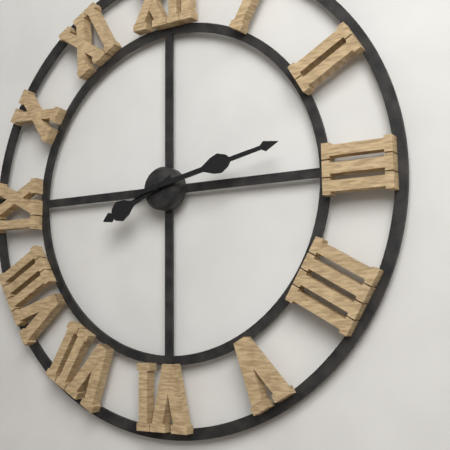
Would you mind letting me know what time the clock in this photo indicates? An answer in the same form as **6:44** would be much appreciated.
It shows **8:13**
